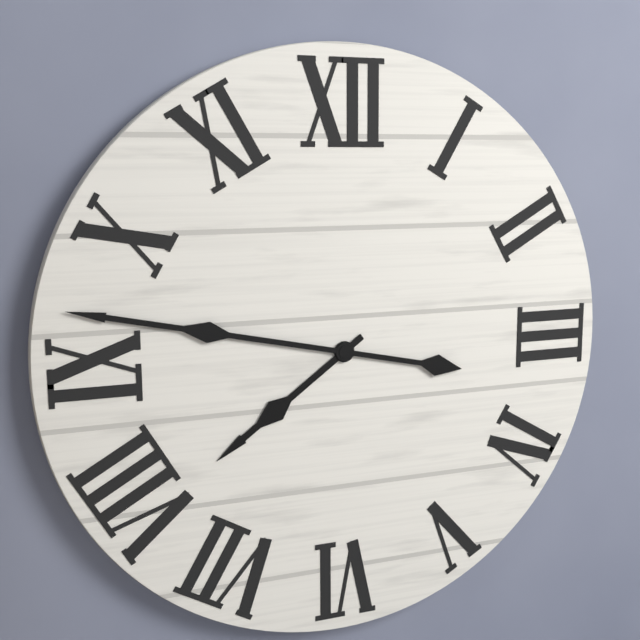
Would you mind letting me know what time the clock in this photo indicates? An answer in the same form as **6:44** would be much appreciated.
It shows **7:47**
